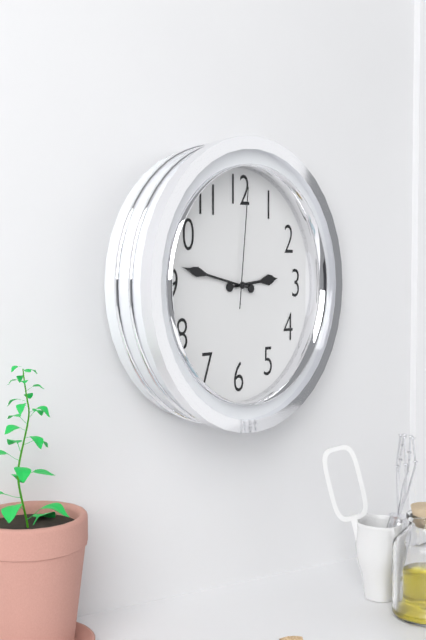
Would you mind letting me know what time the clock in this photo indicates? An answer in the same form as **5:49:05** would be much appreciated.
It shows **2:47:01**
